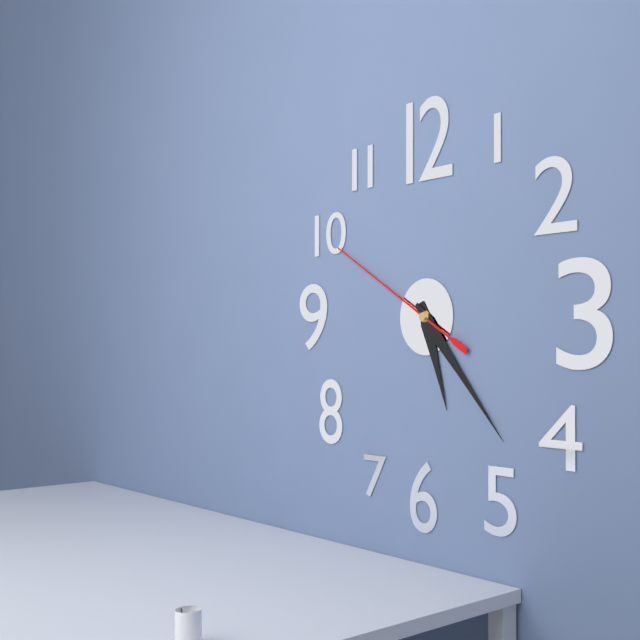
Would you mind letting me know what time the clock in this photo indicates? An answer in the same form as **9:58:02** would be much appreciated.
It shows **5:23:50**
